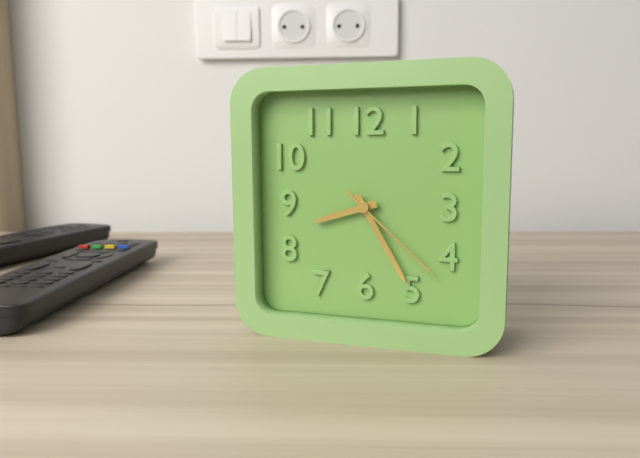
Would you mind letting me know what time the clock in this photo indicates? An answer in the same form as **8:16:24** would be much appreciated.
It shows **8:25:22**
